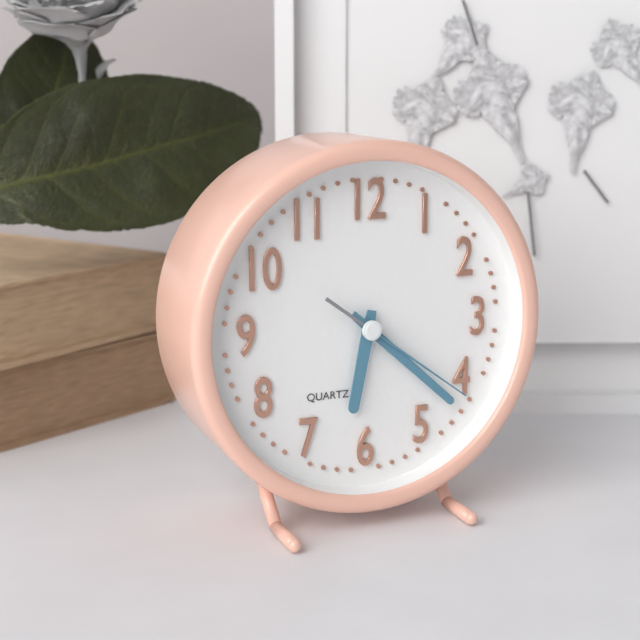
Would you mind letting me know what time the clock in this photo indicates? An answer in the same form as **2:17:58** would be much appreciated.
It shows **6:22:21**
